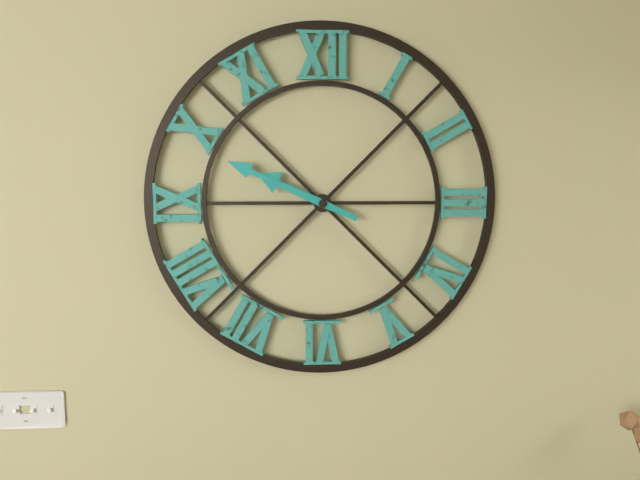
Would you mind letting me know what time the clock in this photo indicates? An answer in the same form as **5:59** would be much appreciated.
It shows **9:49**
